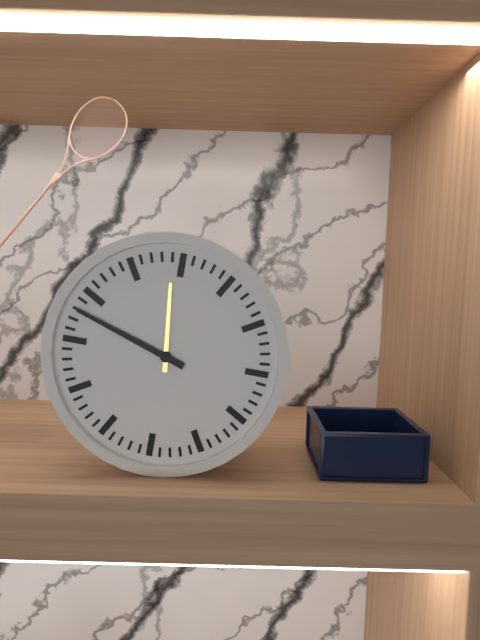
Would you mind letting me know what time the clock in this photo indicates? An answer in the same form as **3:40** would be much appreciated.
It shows **11:48**
